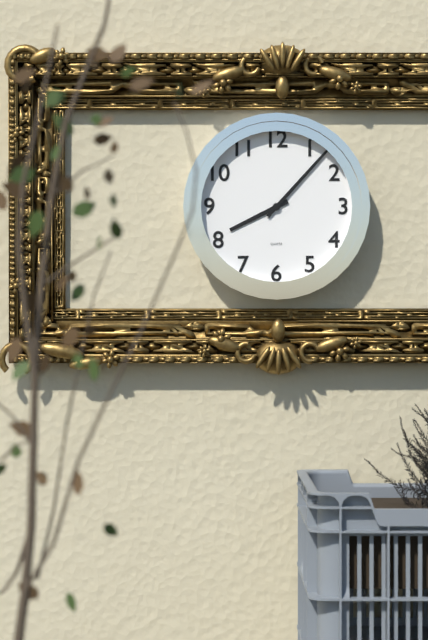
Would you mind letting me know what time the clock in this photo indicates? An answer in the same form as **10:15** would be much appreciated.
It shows **8:07**
